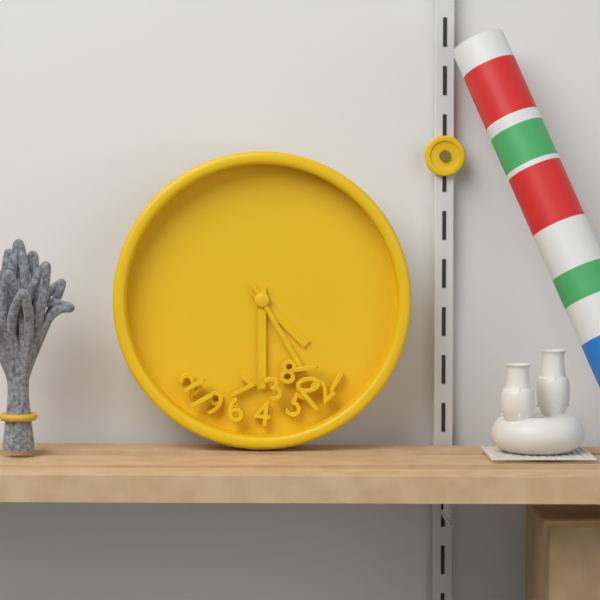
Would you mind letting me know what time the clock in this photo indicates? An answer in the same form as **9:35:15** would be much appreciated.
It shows **4:30:25**
